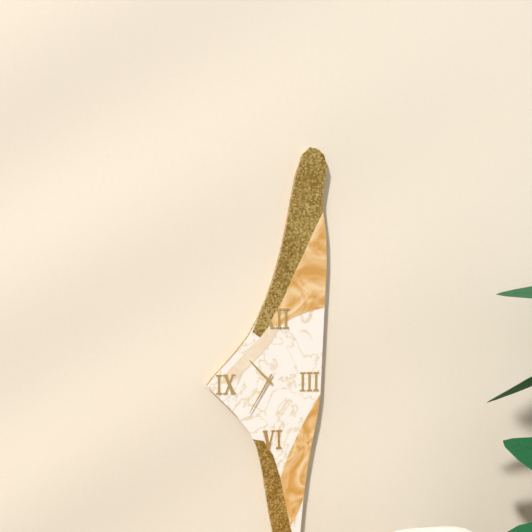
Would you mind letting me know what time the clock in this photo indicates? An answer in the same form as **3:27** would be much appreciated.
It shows **10:35**
